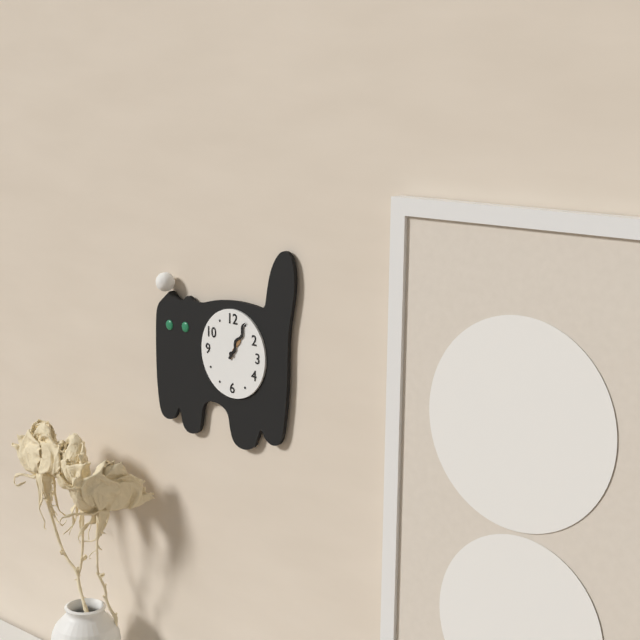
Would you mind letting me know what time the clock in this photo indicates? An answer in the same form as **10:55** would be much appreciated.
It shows **1:05**
